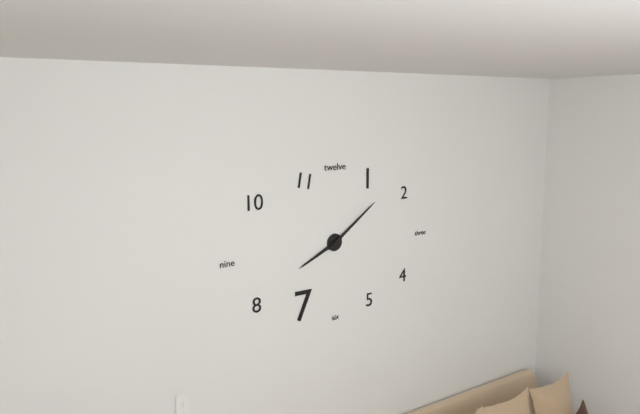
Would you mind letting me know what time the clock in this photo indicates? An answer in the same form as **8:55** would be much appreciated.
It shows **8:09**
